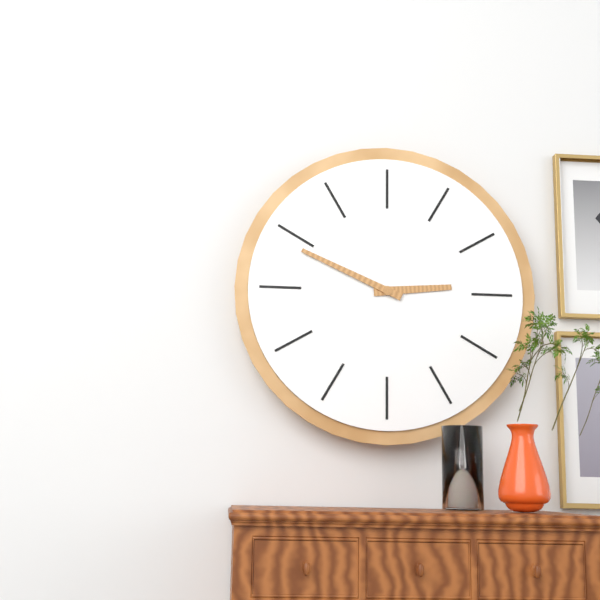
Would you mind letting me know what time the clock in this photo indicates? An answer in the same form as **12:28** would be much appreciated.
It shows **2:49**
